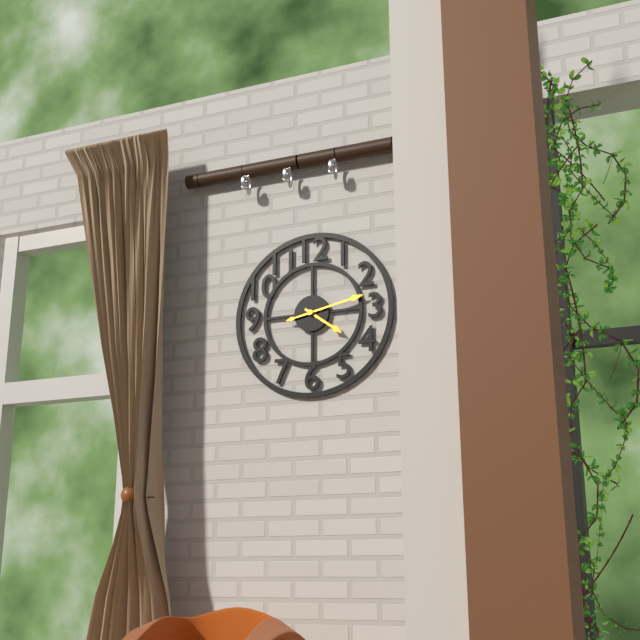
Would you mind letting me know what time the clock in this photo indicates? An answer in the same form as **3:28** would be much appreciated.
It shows **4:13**
